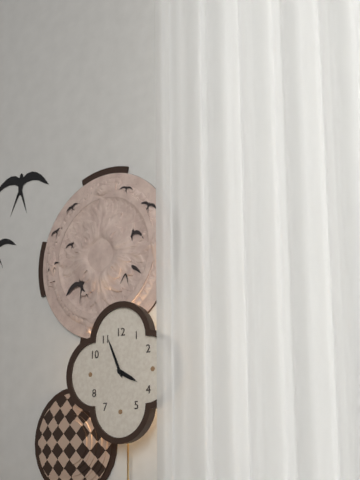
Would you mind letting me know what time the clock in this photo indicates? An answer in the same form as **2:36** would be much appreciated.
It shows **3:56**
